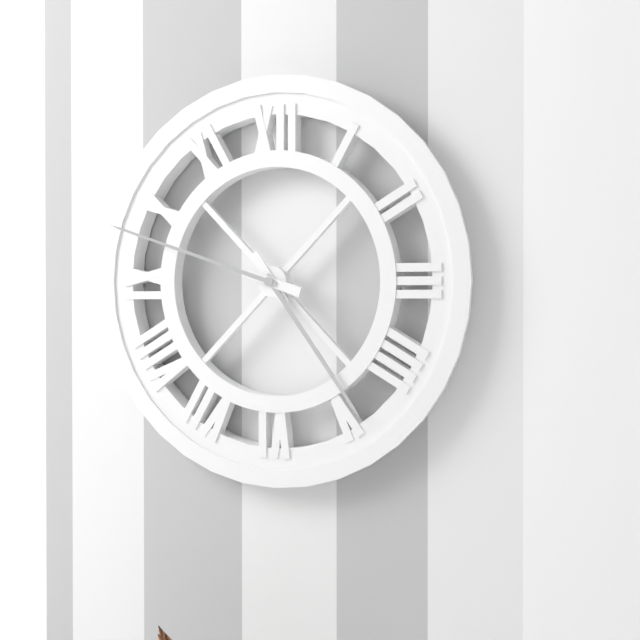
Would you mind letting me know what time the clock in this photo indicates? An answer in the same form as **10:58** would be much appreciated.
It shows **4:48**
